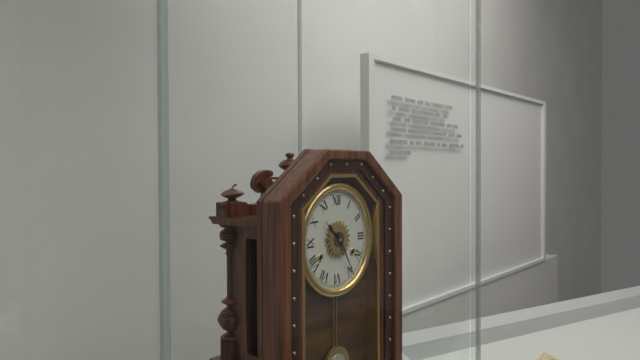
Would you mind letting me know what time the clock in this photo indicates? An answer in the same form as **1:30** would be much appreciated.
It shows **10:25**
